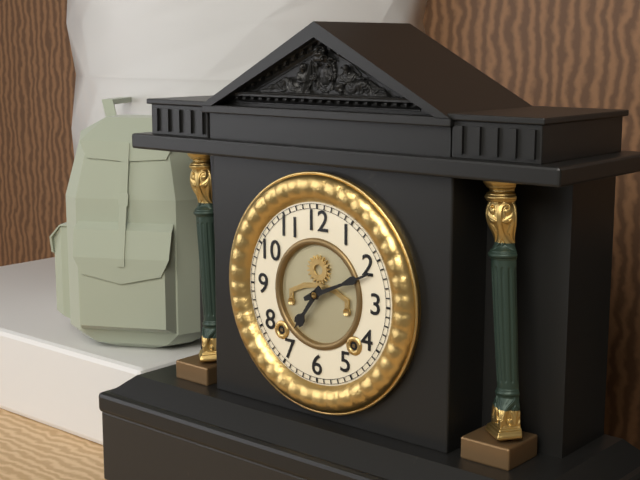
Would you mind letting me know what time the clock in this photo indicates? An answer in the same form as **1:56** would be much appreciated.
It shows **7:11**
